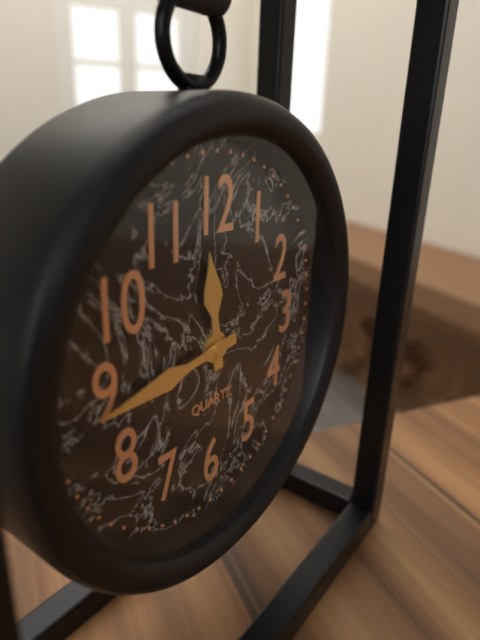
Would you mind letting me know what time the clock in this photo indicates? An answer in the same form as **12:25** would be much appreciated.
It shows **11:44**
